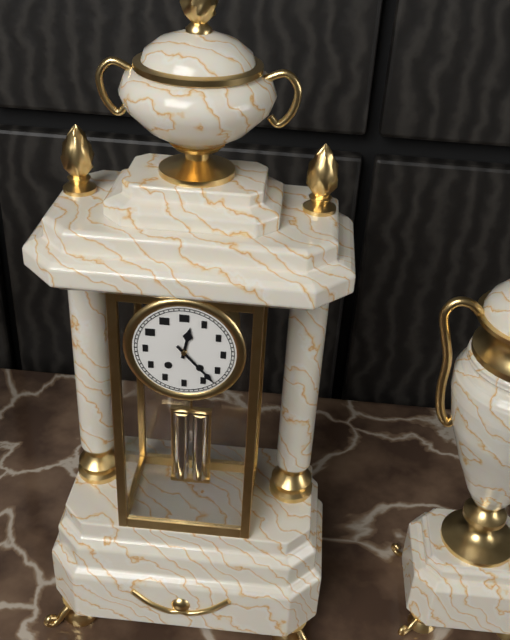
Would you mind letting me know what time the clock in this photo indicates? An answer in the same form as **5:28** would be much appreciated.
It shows **12:23**
